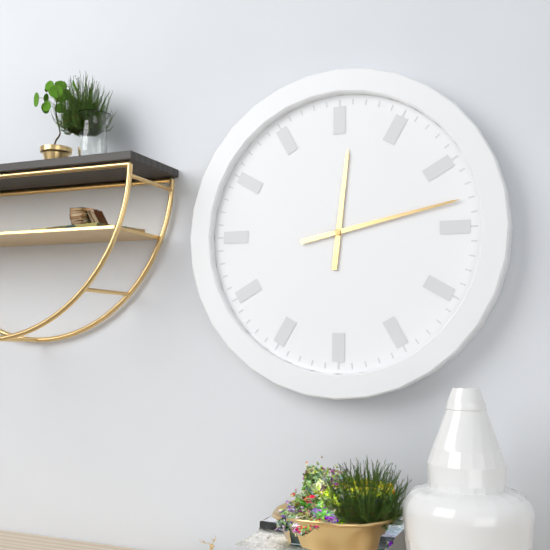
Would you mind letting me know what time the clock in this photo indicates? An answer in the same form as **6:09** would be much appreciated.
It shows **12:13**
